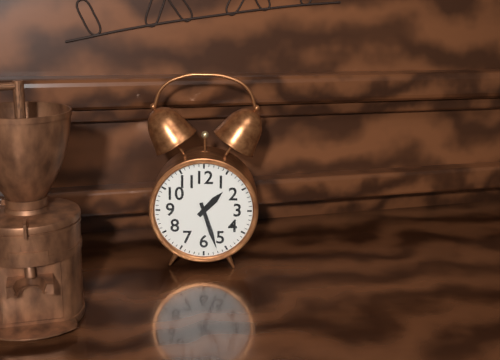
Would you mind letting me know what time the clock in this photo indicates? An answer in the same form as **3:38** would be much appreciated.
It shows **1:27**
